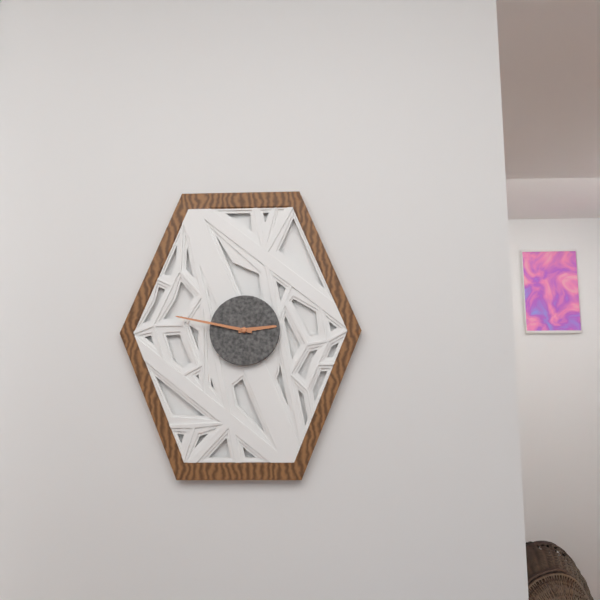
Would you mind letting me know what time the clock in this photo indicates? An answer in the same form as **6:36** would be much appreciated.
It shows **2:47**
